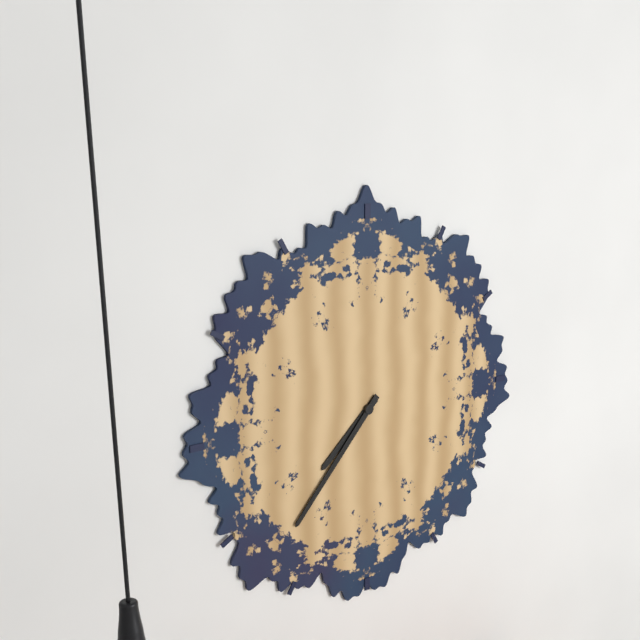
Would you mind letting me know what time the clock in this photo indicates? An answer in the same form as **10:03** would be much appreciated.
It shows **7:37**
